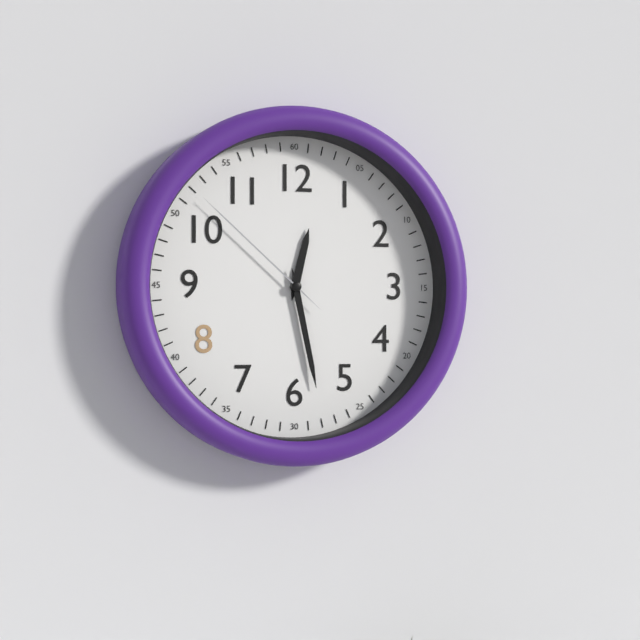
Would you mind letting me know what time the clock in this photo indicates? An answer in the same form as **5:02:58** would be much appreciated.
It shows **12:28:52**
